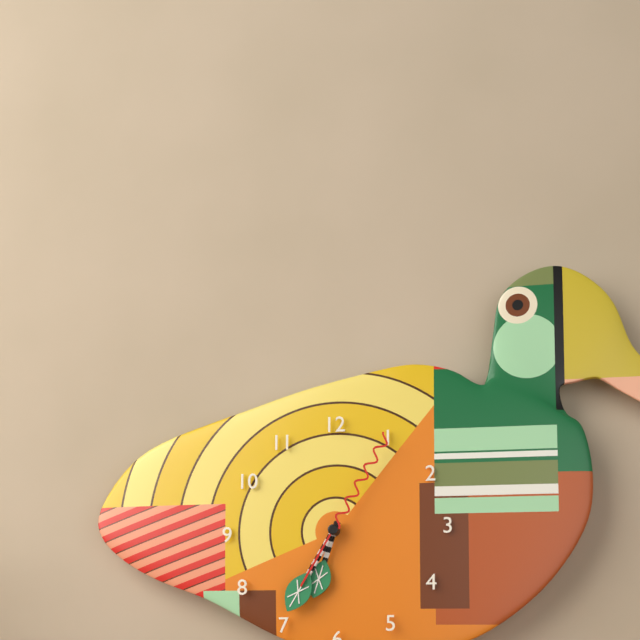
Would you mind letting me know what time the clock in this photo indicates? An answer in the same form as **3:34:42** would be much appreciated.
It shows **6:35:05**
